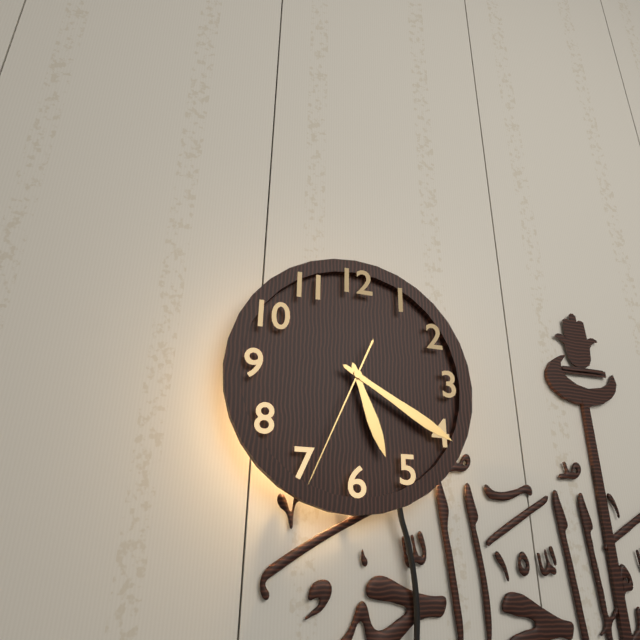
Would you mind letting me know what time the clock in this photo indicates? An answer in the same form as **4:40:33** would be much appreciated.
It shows **5:20:34**
